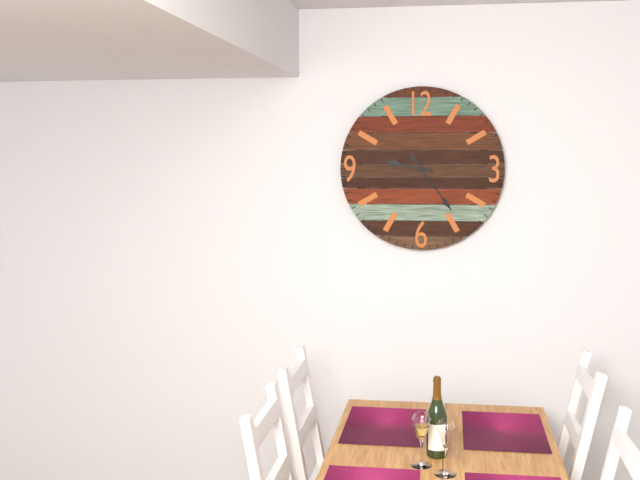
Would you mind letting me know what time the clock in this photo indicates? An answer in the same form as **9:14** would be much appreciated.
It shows **9:24**
